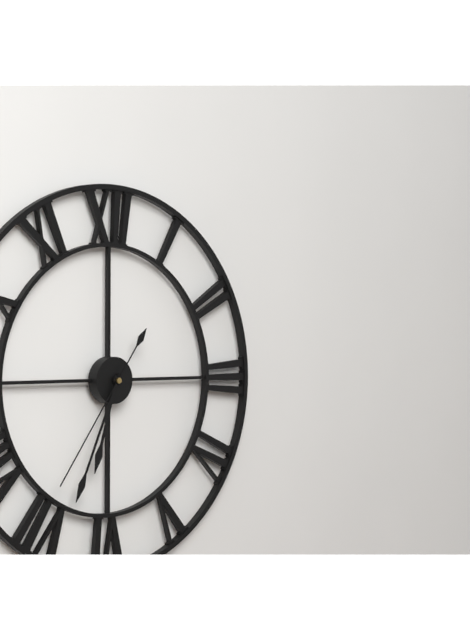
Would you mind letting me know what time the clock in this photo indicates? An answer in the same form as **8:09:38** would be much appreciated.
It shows **6:34:36**
